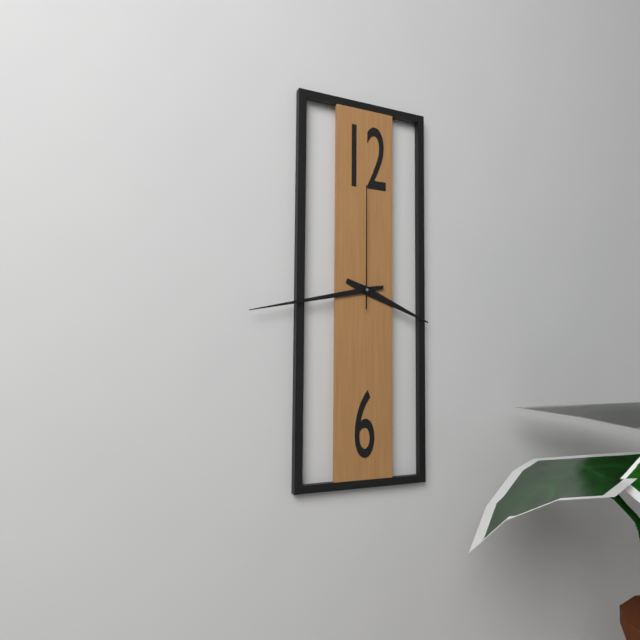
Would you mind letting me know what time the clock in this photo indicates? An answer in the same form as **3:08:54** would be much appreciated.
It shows **3:43:00**
